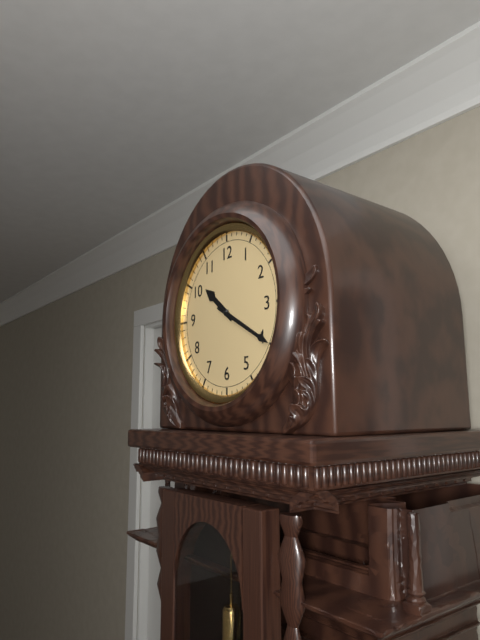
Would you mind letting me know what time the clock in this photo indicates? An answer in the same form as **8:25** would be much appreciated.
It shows **10:20**
